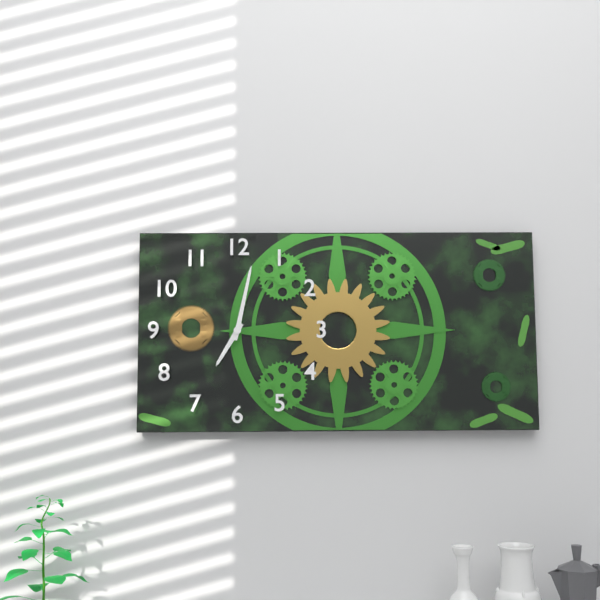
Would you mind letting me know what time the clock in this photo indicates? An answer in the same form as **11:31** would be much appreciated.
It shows **7:02**
